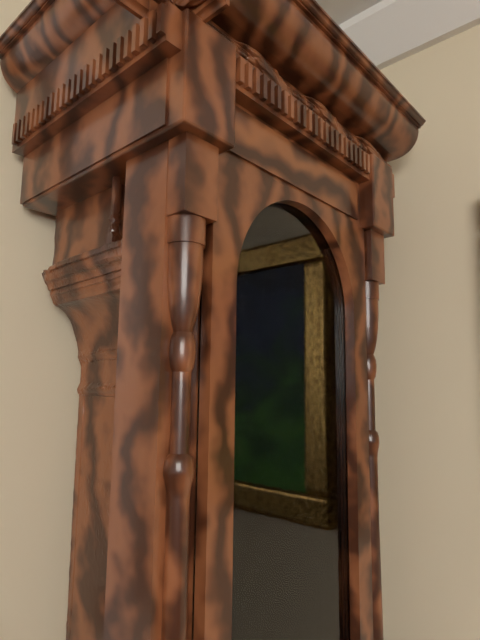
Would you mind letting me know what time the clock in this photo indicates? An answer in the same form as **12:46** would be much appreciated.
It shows **12:49**
